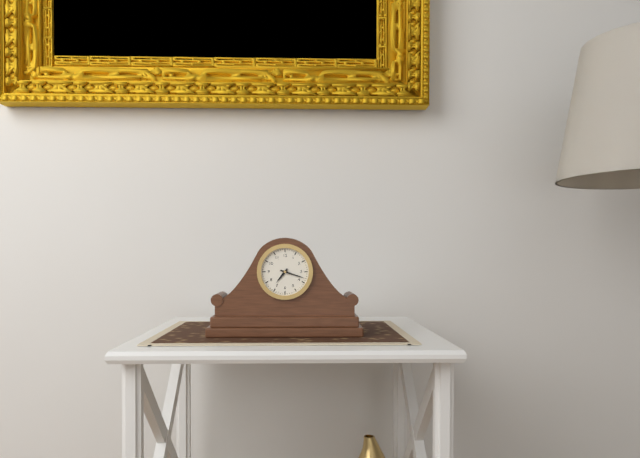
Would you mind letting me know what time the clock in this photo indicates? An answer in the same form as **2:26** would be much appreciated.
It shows **7:18**
